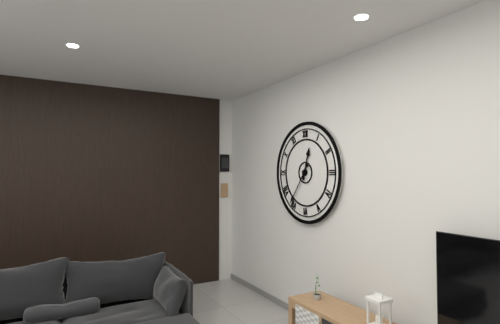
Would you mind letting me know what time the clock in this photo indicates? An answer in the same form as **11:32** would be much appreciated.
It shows **12:36**
